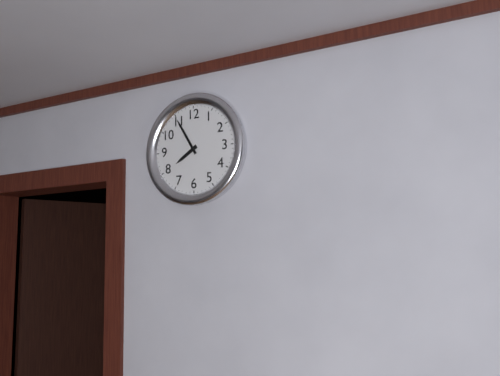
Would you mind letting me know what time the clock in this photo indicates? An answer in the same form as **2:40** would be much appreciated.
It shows **7:55**
